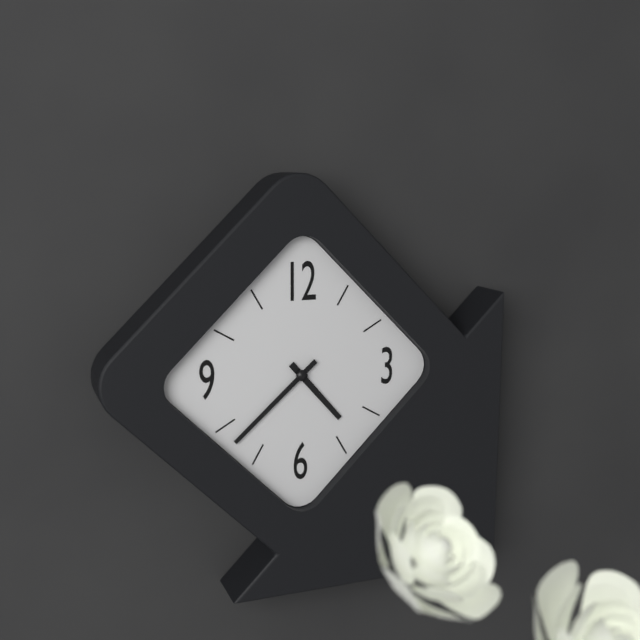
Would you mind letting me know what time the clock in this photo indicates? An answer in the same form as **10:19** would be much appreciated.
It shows **4:38**
